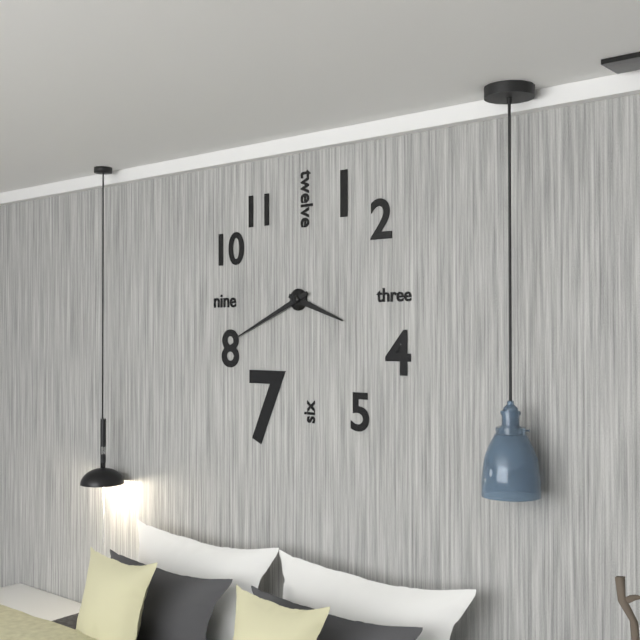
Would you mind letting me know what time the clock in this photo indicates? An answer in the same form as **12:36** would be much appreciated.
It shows **3:41**
